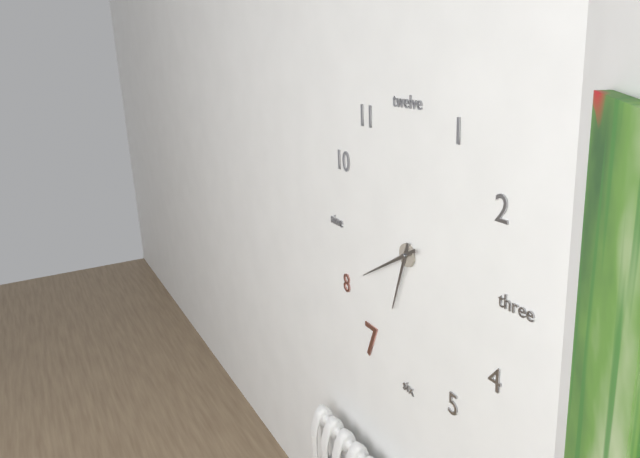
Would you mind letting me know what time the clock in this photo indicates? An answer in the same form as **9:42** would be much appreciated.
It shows **6:40**
